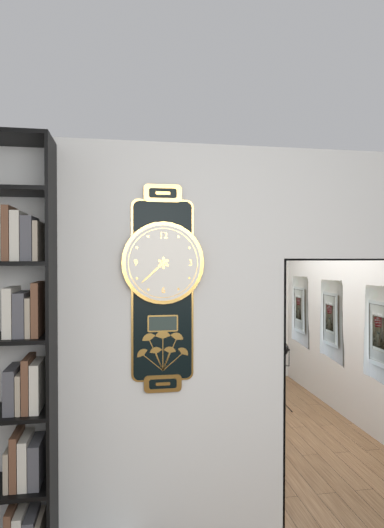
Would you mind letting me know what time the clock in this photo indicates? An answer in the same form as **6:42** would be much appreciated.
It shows **7:38**
